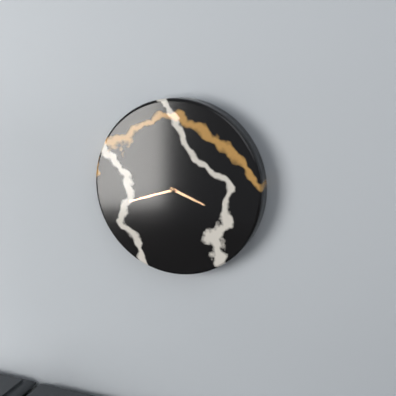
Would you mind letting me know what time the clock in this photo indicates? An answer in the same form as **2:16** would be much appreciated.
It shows **3:42**
